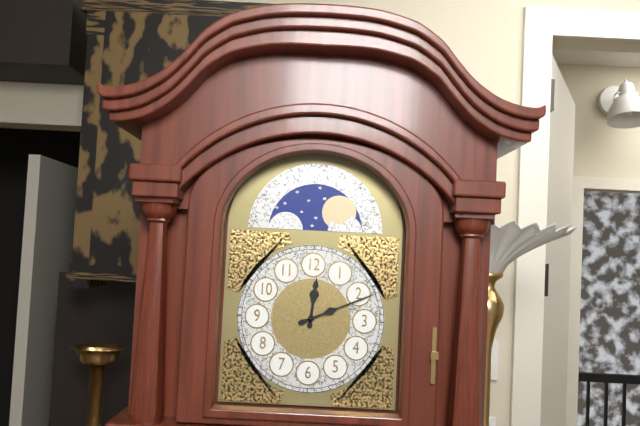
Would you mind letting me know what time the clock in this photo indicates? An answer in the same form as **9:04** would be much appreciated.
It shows **12:11**
